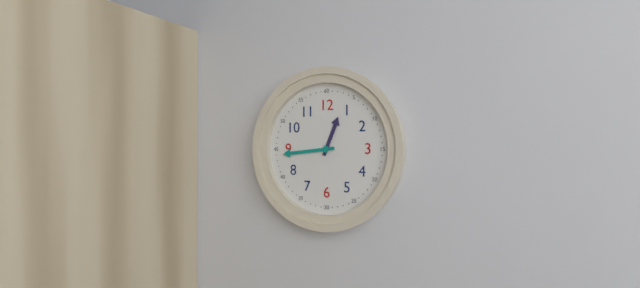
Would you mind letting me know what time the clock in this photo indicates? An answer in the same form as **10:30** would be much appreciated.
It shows **12:44**
